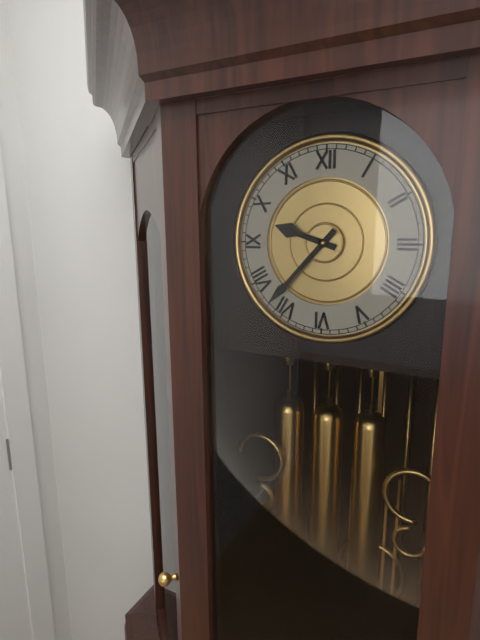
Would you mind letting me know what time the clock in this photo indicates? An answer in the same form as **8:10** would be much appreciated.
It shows **9:37**
